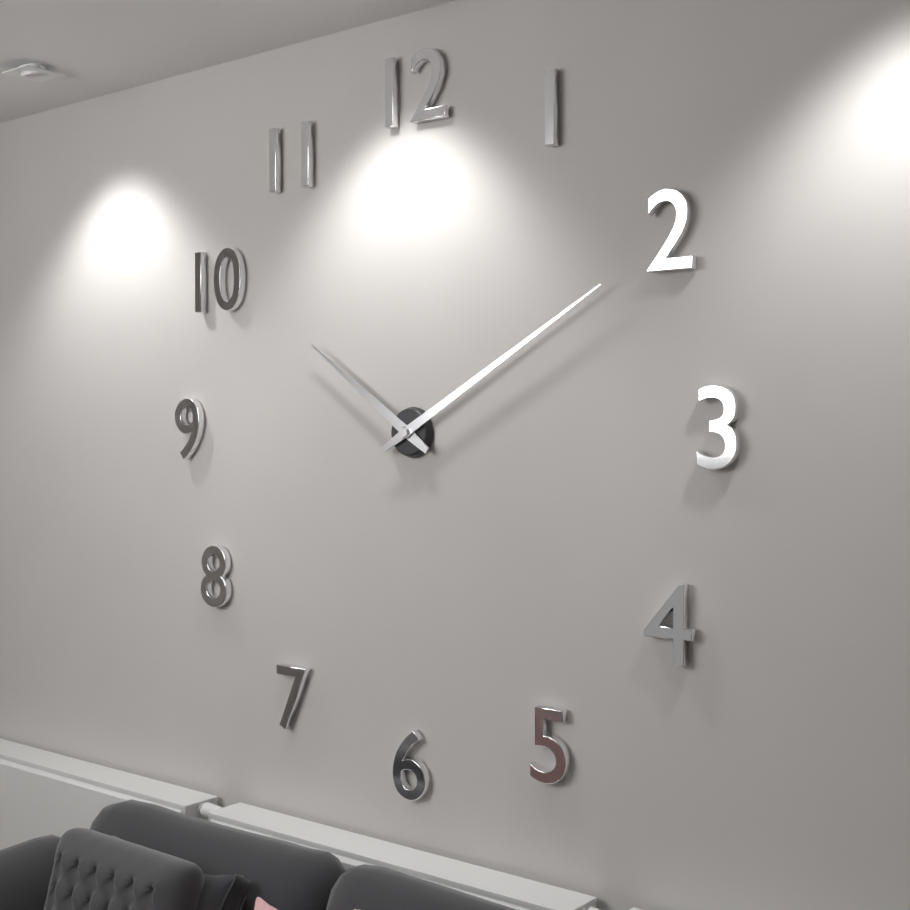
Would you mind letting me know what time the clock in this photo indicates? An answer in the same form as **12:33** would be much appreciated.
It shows **10:10**
